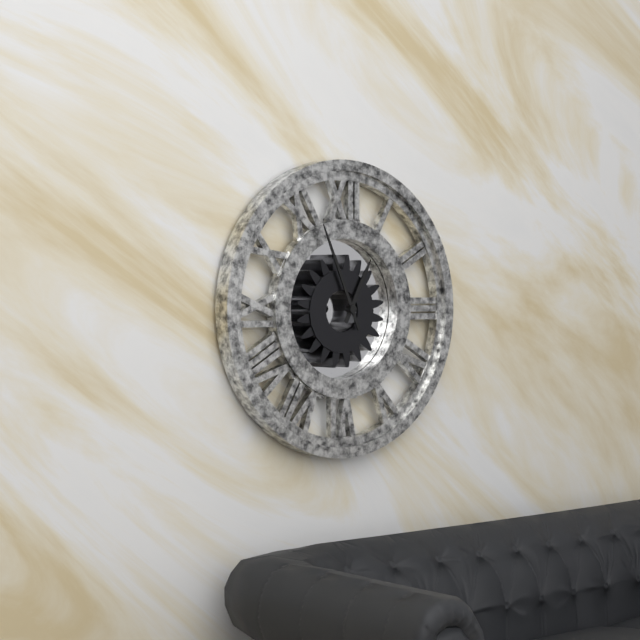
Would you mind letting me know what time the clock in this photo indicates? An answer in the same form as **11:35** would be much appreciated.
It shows **12:56**
